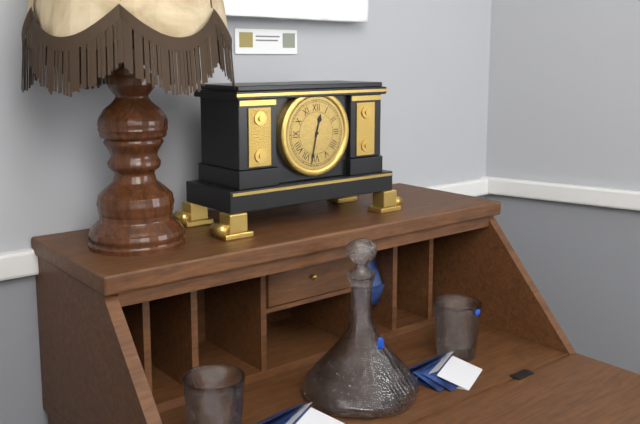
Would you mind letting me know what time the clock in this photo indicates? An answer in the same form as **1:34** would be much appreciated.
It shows **12:32**
